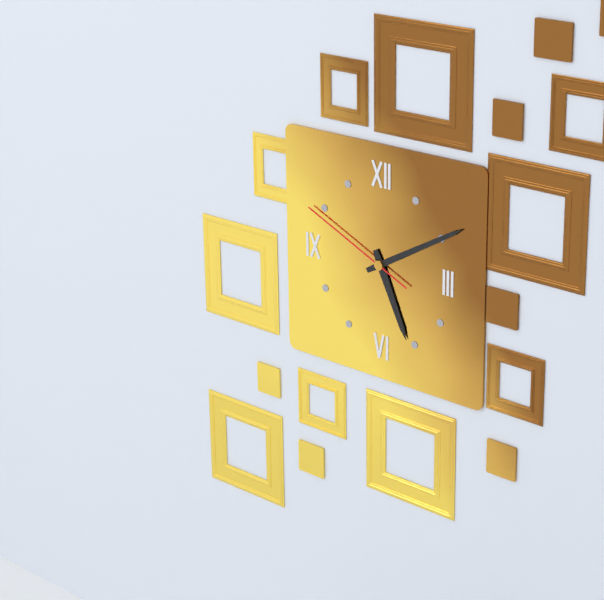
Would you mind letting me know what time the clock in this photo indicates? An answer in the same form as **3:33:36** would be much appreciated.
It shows **5:10:49**
